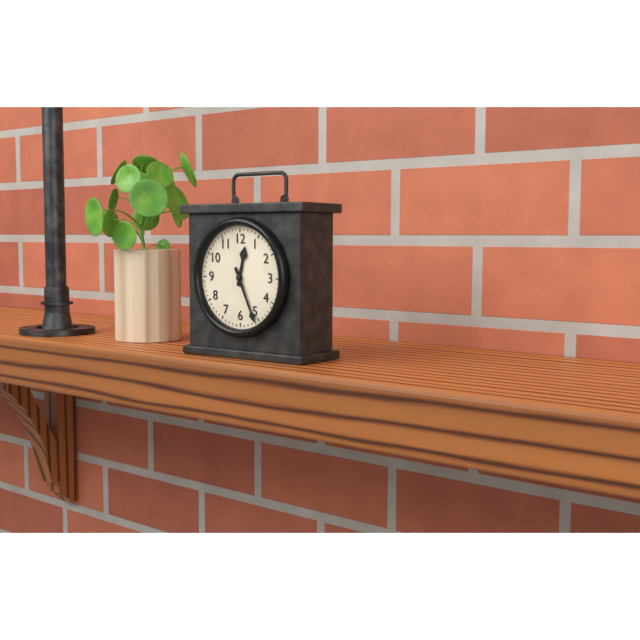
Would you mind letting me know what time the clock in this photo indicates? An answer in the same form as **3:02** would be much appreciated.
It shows **12:26**
